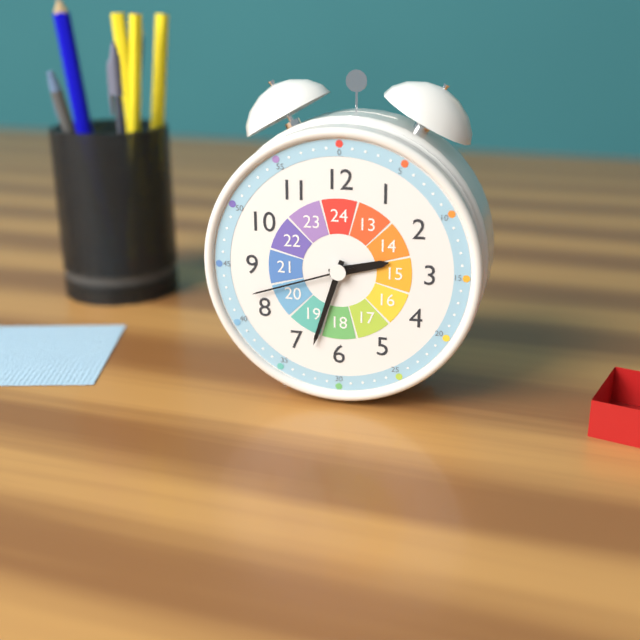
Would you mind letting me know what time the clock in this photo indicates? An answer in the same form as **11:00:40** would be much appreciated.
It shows **2:33:42**
